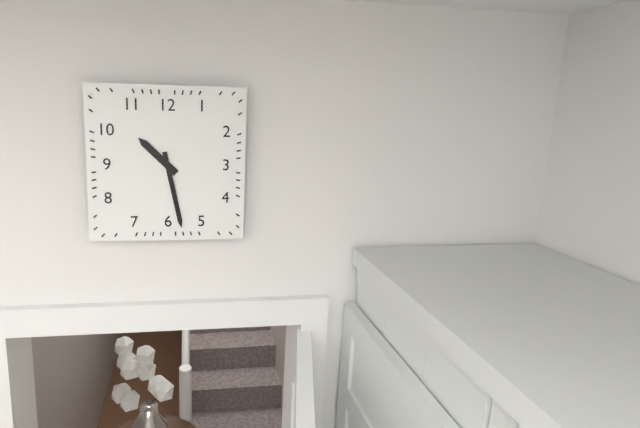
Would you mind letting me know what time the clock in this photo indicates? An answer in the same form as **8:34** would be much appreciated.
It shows **10:28**
